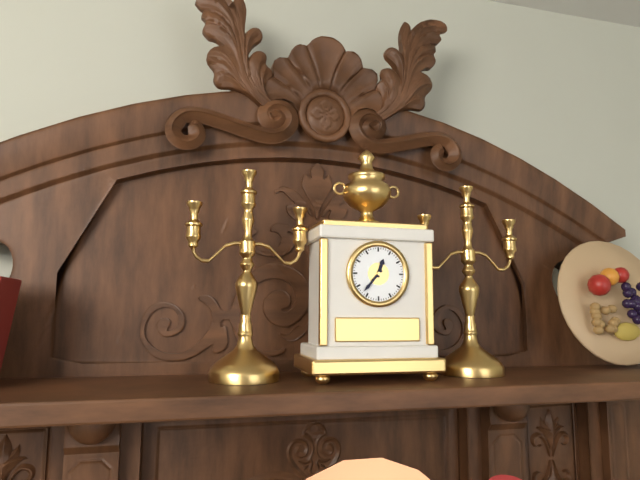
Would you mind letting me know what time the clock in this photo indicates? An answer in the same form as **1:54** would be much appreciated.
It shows **12:37**
